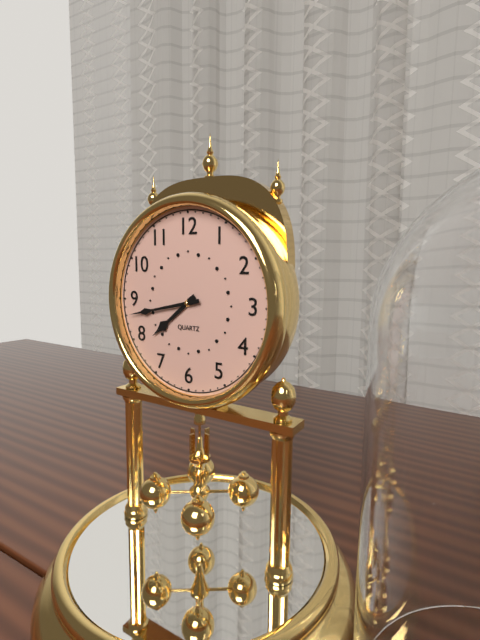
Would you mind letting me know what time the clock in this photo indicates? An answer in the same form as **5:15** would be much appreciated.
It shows **7:43**
